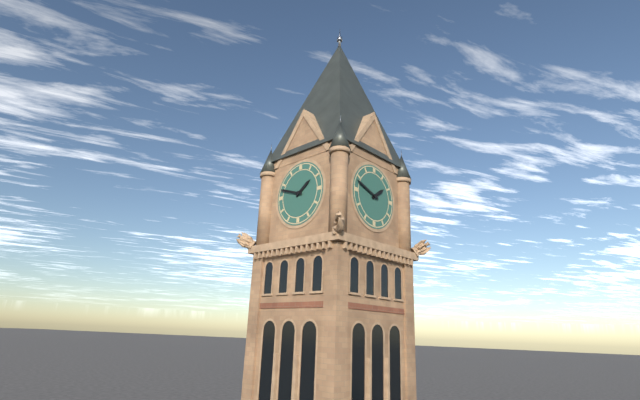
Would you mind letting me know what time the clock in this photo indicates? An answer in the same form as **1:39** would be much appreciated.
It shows **1:48**
